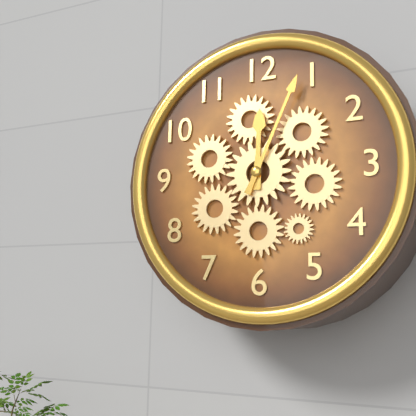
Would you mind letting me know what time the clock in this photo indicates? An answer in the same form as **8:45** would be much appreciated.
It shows **12:04**
